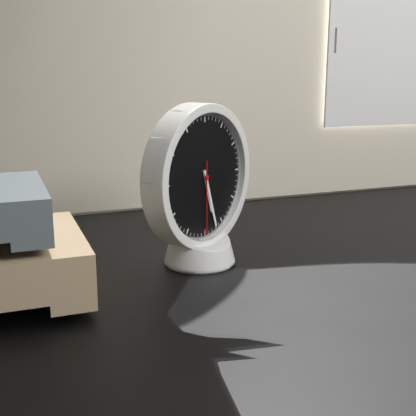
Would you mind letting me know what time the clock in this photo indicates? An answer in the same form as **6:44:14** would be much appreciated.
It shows **5:27:30**
